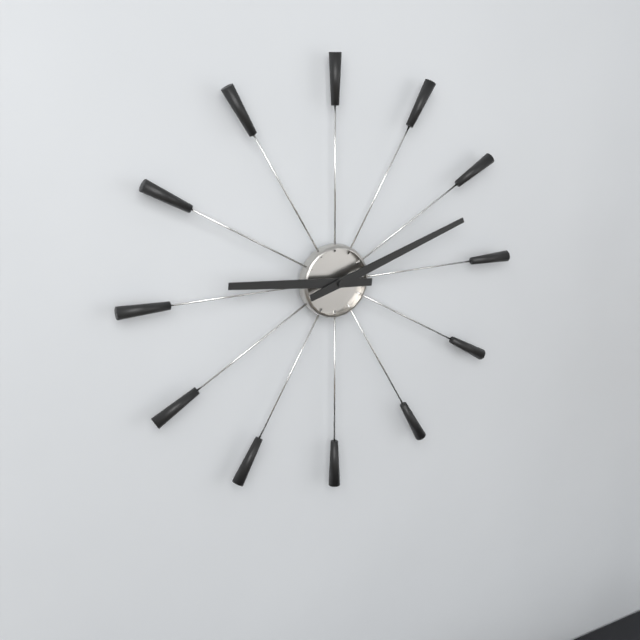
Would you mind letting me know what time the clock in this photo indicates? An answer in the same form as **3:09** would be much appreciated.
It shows **9:12**
